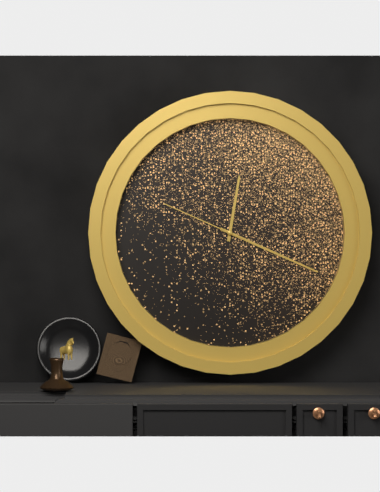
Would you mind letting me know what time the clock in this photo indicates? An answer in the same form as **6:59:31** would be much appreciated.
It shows **12:19:49**
